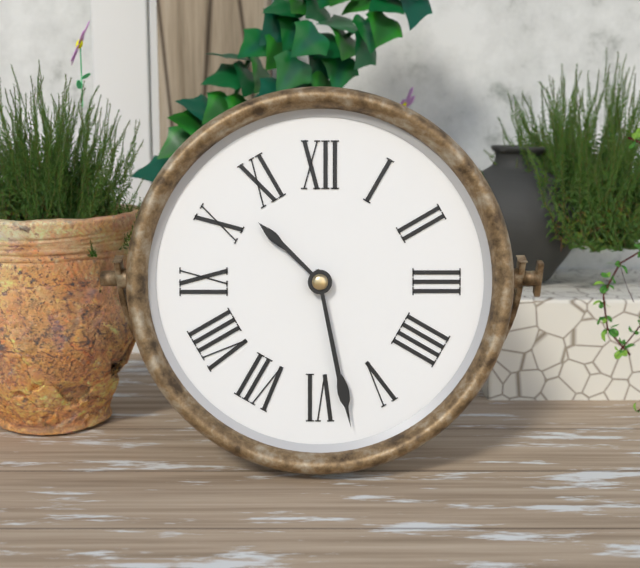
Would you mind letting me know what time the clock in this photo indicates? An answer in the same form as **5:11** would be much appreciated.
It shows **10:28**
